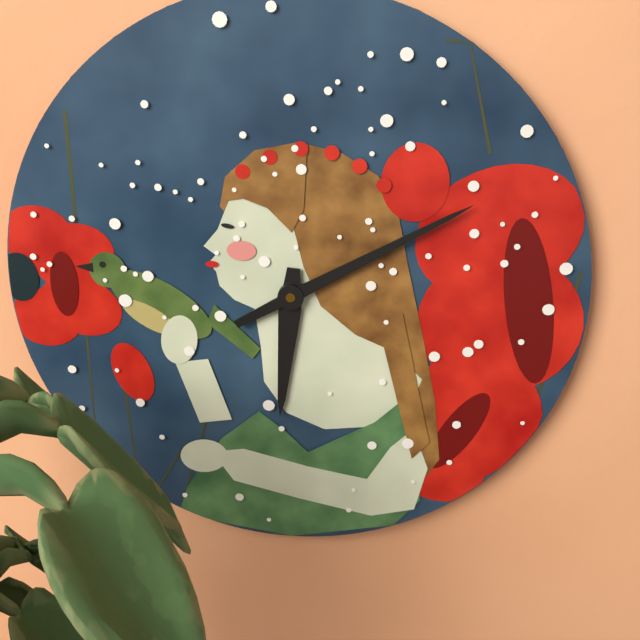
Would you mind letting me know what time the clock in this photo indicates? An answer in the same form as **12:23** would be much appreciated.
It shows **6:10**
